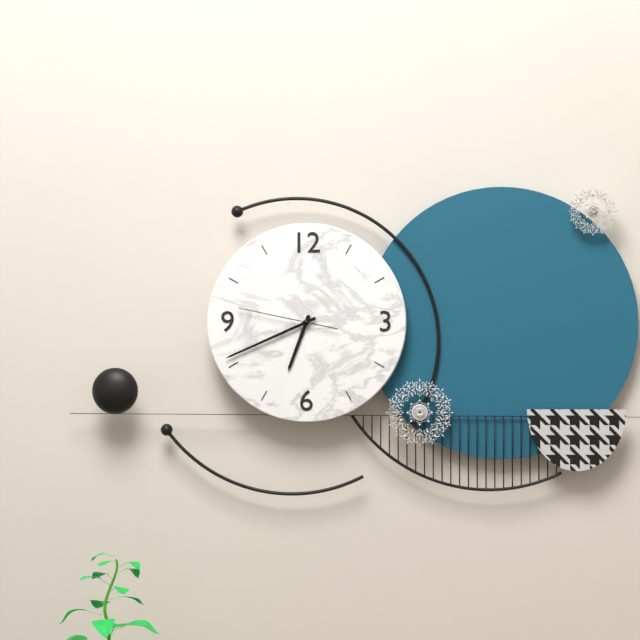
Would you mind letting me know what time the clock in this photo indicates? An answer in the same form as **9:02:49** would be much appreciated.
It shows **6:41:47**
